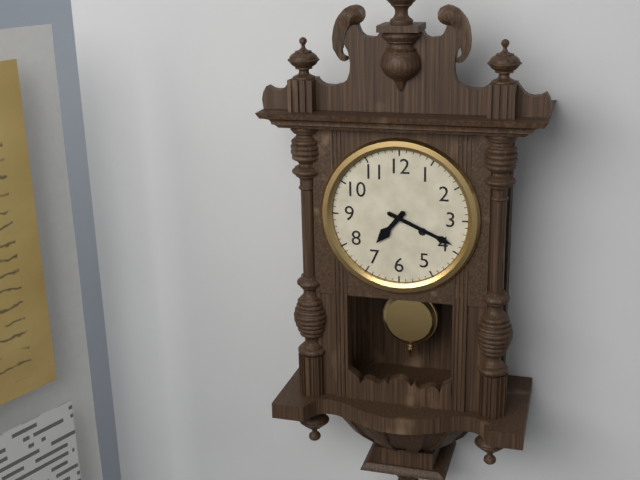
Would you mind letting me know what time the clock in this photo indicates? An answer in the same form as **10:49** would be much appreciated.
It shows **7:19**
